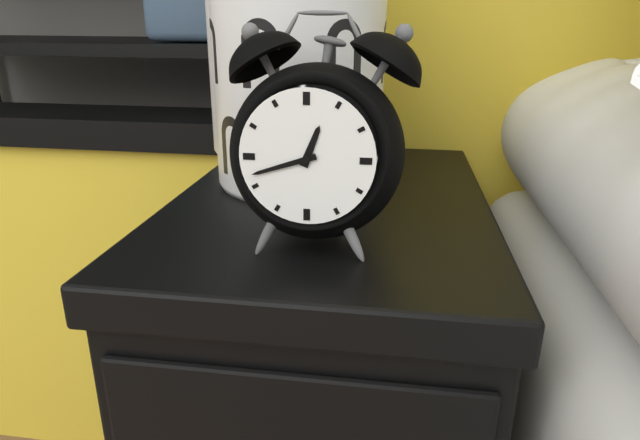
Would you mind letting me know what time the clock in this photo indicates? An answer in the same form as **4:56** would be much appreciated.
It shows **12:42**
